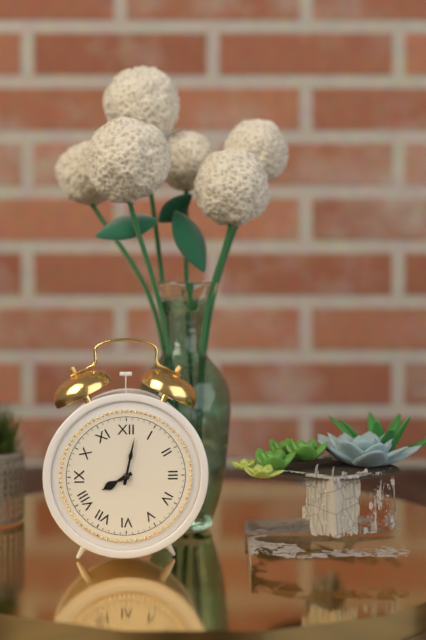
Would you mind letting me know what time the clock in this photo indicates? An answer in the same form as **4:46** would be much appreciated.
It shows **8:02**
